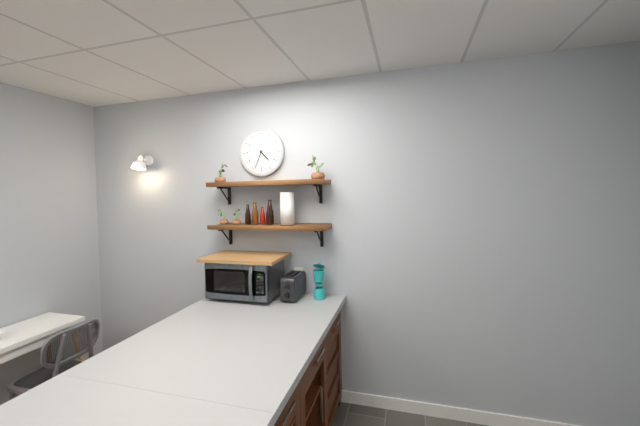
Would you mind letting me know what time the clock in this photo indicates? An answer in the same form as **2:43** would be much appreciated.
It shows **4:34**
